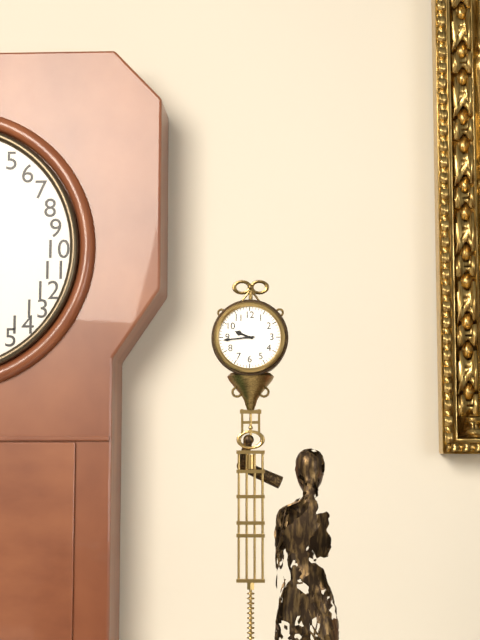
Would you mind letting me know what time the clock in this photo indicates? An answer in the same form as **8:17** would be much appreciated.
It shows **9:44**
